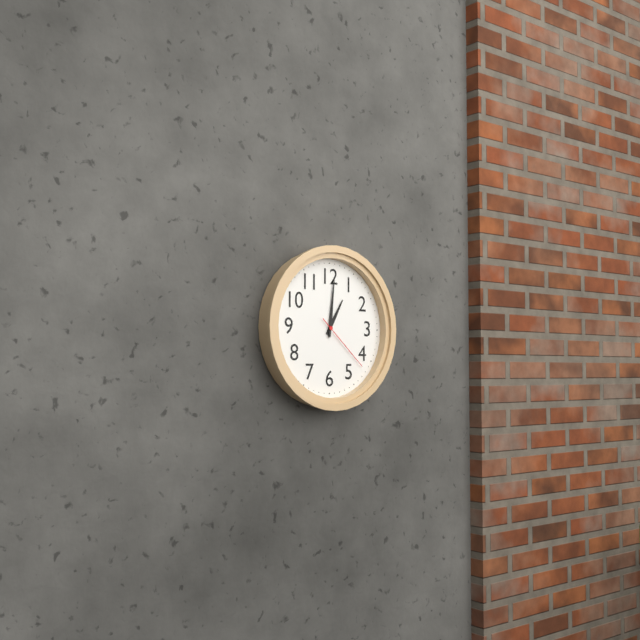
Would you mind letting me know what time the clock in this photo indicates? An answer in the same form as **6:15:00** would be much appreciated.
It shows **1:01:22**
